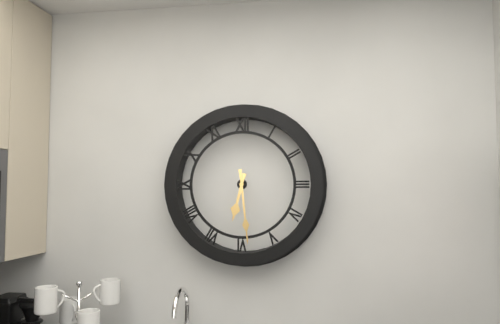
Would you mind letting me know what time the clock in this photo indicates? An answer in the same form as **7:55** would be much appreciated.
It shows **6:29**
